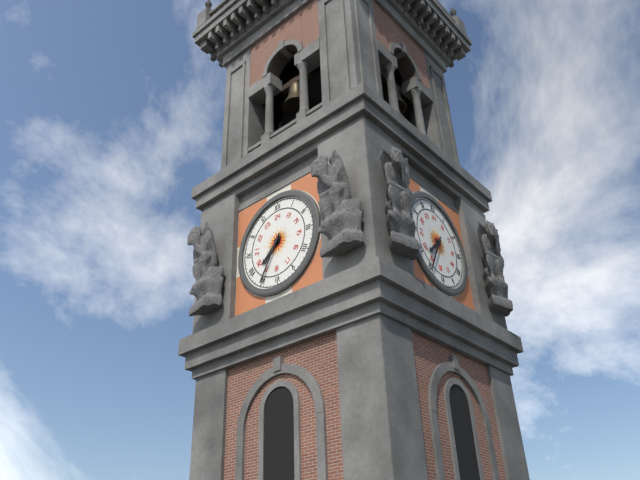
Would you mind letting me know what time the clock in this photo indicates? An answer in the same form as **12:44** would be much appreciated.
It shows **7:35**
